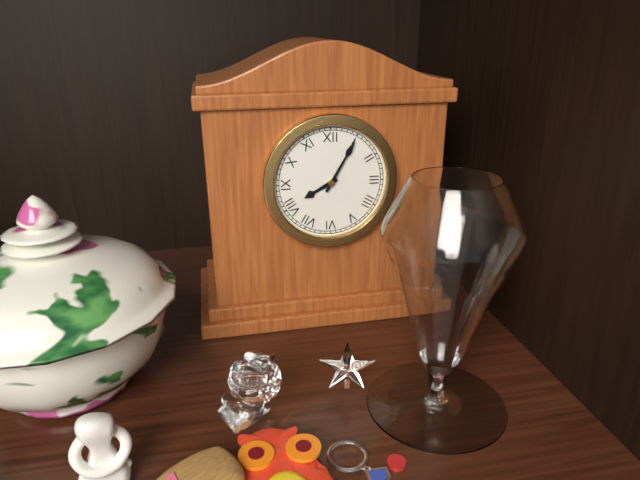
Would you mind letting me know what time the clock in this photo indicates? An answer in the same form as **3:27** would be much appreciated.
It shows **8:05**
